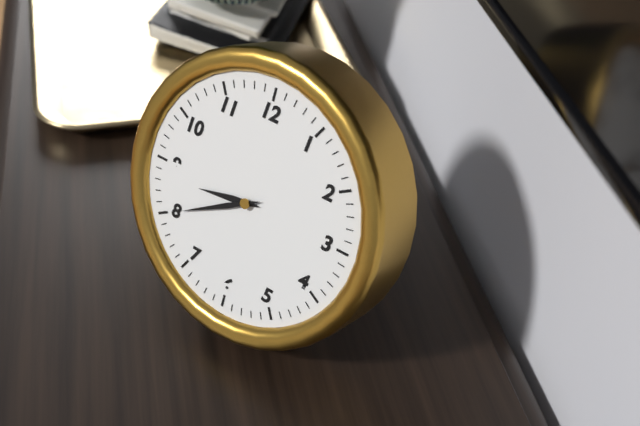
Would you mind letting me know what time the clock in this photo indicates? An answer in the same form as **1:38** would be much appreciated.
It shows **8:40**
